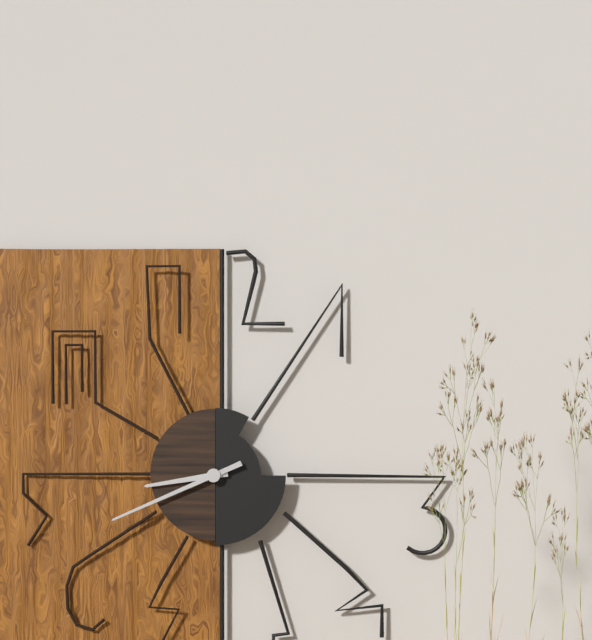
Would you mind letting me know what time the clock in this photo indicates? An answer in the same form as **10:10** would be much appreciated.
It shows **8:41**
